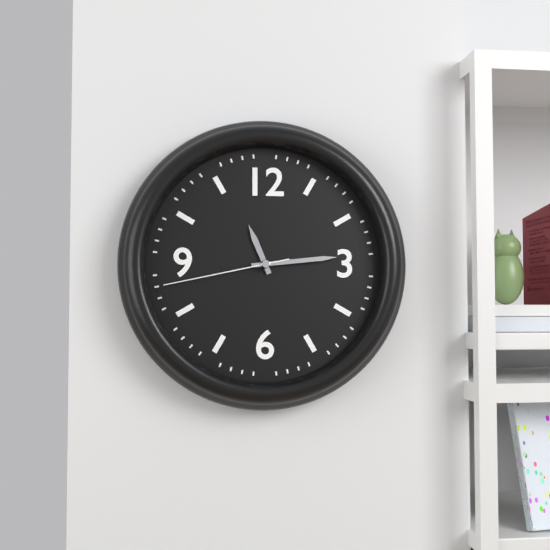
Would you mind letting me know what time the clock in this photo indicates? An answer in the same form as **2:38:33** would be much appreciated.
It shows **11:14:43**
